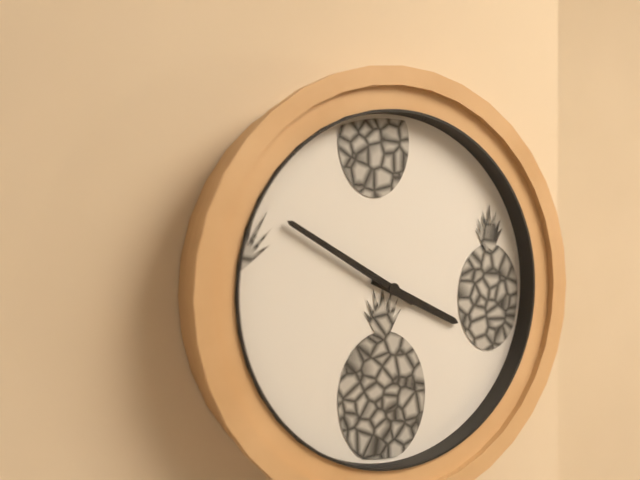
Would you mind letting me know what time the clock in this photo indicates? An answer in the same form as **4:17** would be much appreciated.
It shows **3:50**
